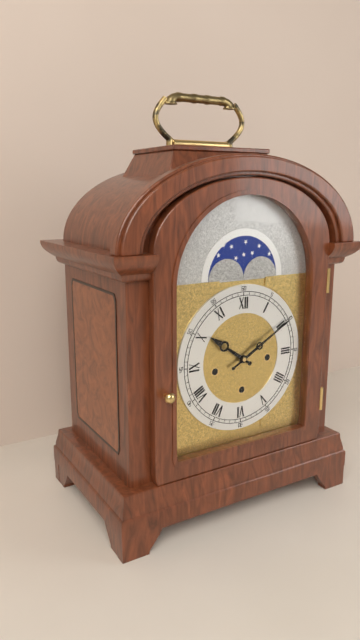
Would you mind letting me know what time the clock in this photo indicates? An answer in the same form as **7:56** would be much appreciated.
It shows **10:10**
